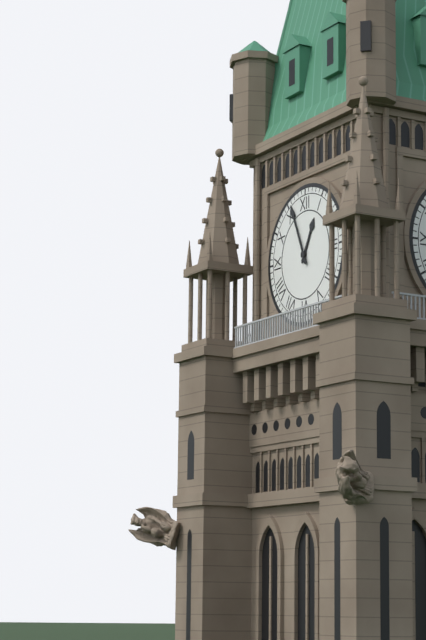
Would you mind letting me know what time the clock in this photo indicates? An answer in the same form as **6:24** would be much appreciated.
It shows **12:56**
